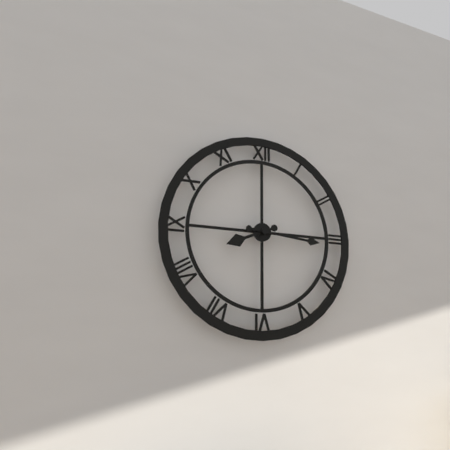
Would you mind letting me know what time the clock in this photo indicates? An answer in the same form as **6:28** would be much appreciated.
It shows **8:16**
